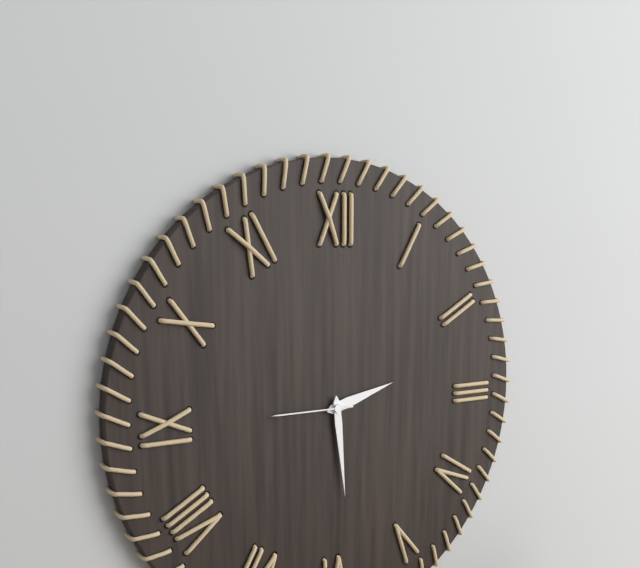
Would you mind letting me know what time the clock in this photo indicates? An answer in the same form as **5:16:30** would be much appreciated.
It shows **2:29:45**
